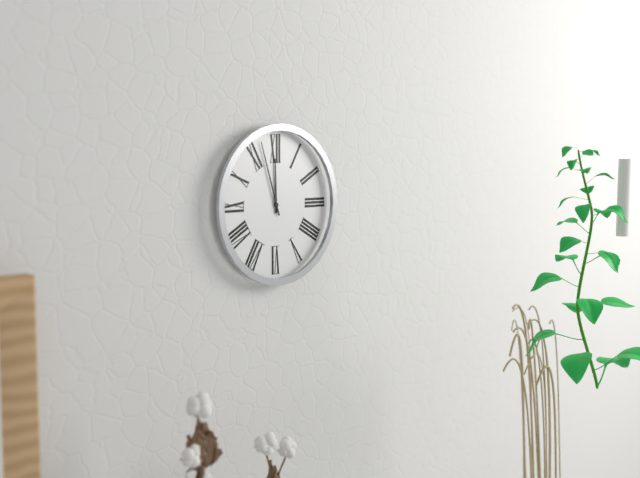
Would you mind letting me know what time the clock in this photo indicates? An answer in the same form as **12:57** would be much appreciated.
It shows **11:57**
